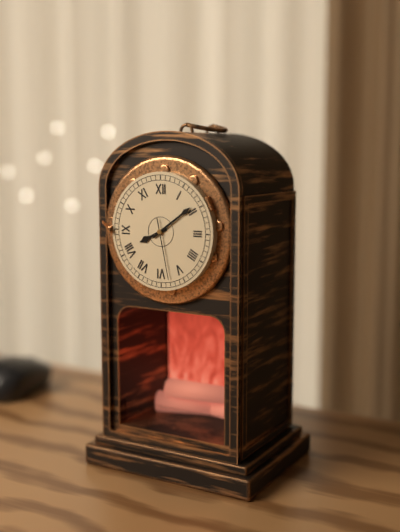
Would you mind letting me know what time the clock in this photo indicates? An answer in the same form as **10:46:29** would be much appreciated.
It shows **8:09:28**
